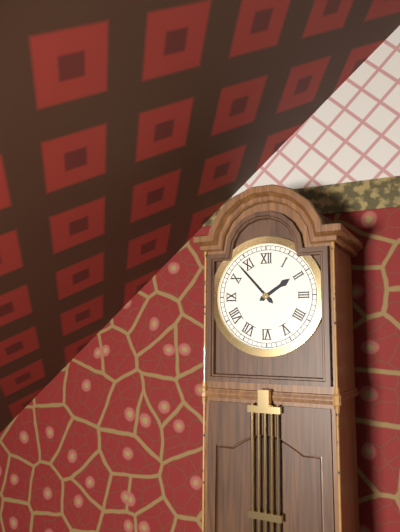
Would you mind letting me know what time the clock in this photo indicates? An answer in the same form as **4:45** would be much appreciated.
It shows **1:53**
